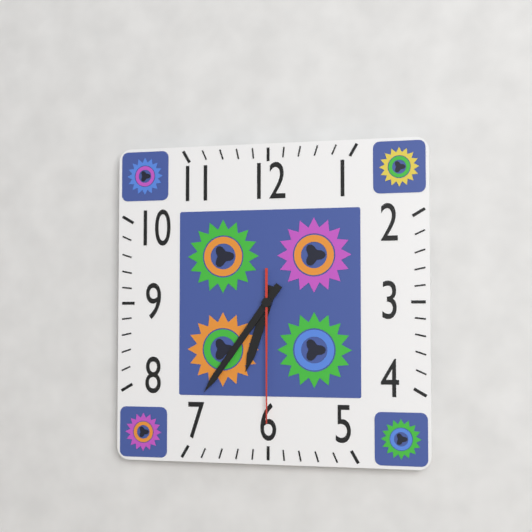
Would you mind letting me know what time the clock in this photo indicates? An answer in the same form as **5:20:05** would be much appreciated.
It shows **6:36:30**
